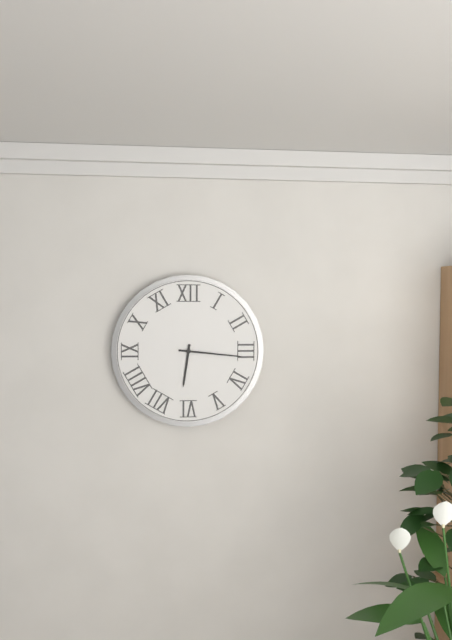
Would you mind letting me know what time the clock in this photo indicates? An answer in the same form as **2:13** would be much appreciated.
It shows **6:16**
